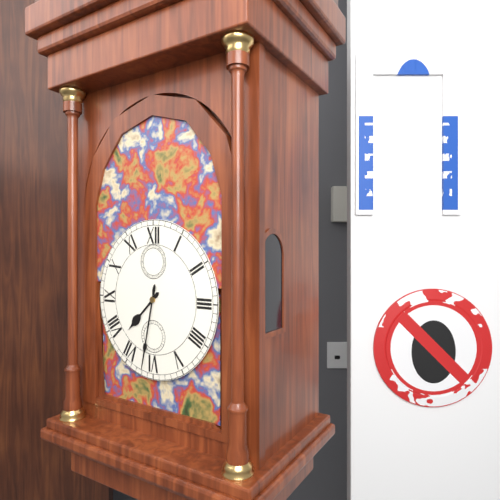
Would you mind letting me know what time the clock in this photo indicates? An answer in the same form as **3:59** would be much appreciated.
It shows **7:32**
